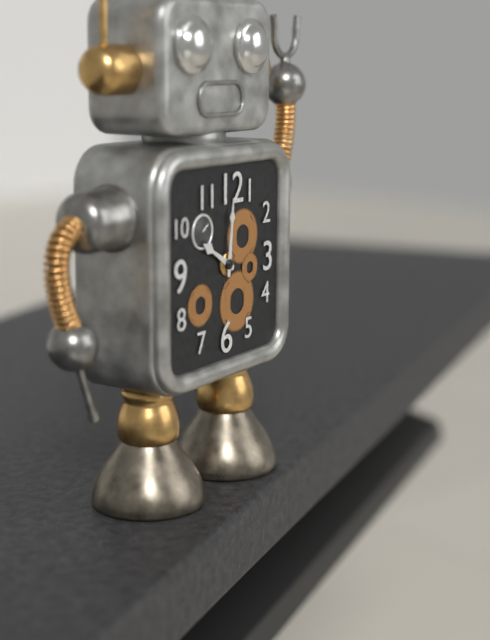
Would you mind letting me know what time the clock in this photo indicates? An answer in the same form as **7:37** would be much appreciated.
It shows **10:01**
